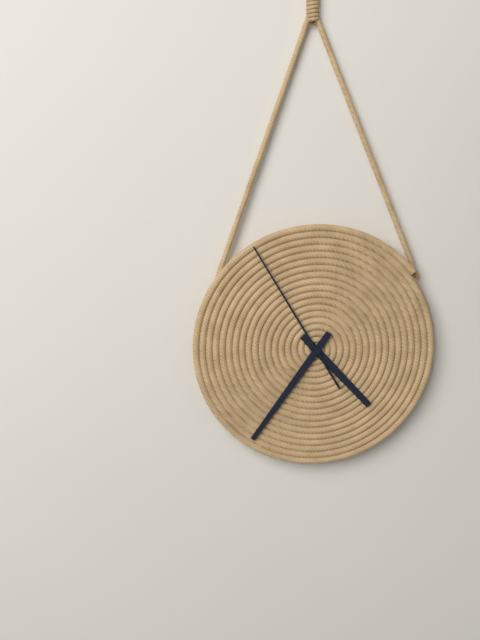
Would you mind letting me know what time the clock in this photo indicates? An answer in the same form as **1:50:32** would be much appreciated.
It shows **4:36:55**
